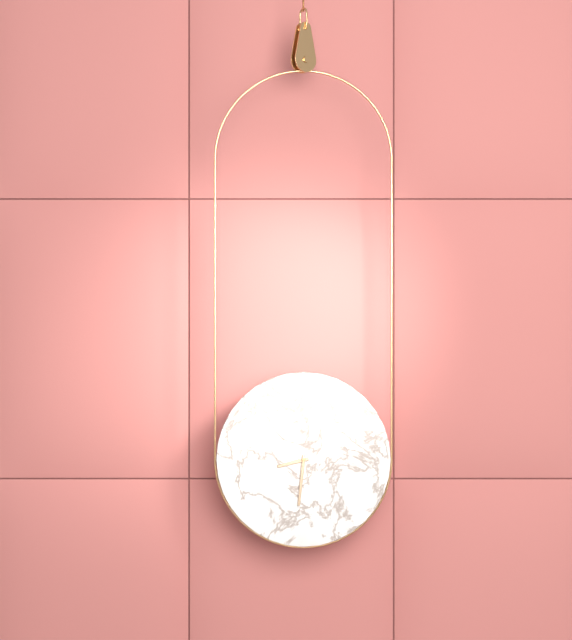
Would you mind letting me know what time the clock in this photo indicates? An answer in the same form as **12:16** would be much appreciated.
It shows **8:31**
